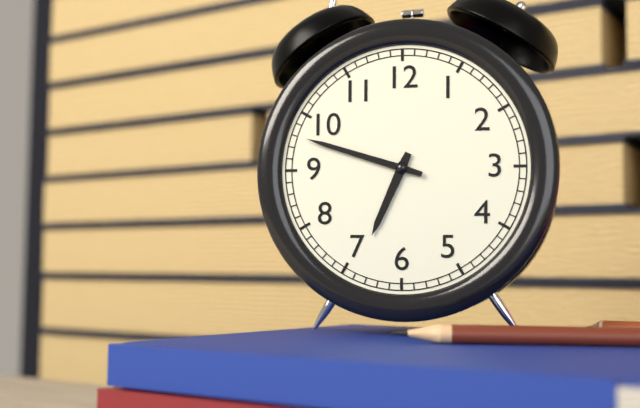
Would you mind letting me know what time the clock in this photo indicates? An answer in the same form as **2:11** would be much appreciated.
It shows **6:48**
